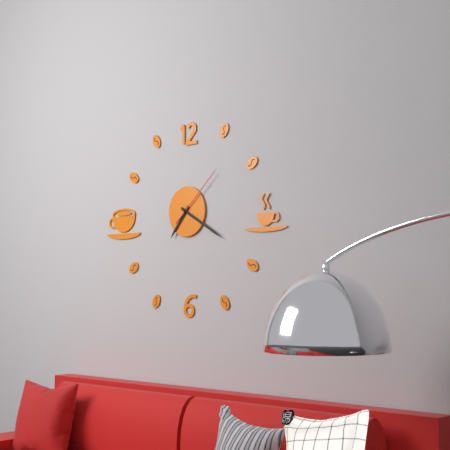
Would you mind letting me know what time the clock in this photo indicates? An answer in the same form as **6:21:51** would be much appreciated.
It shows **7:20:08**
